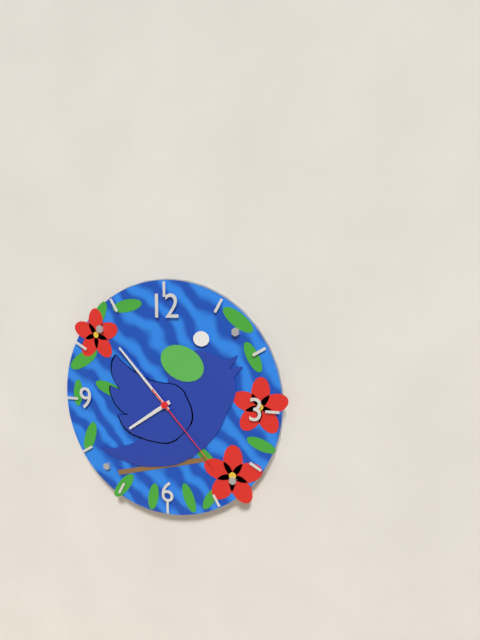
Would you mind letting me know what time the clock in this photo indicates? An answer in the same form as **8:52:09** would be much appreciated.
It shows **7:53:23**
